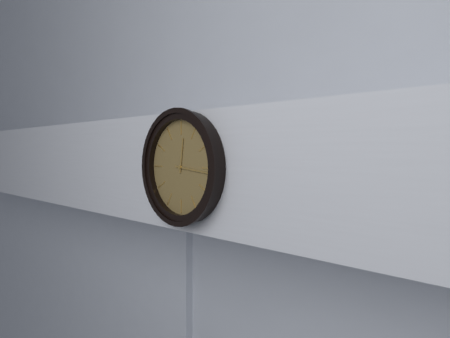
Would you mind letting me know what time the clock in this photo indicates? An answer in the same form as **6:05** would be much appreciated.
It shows **12:16**
